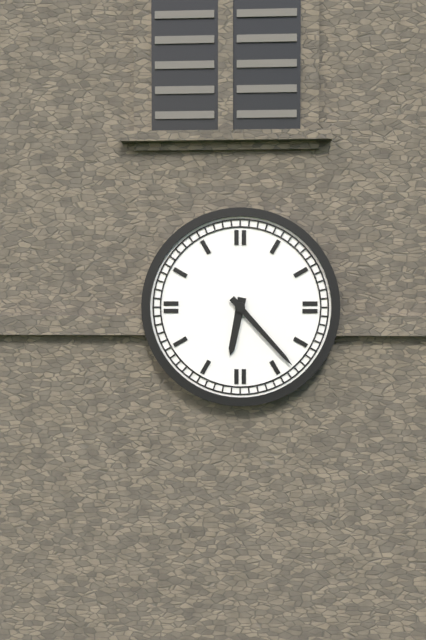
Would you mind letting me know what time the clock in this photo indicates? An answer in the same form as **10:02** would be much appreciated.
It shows **6:23**
